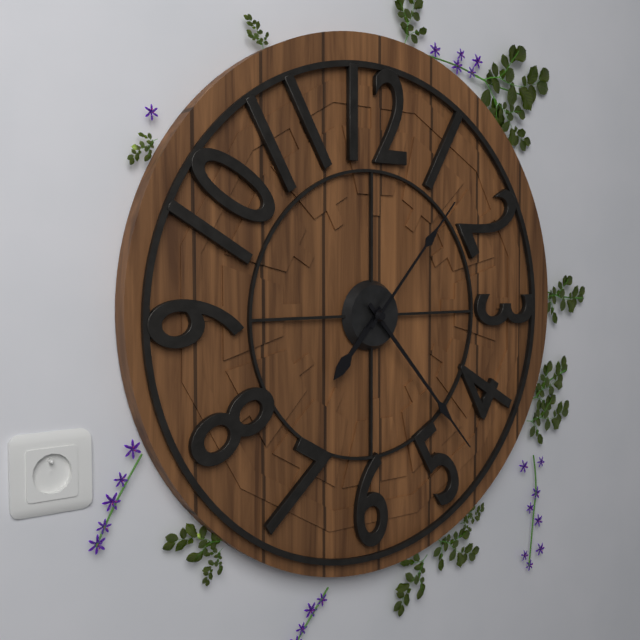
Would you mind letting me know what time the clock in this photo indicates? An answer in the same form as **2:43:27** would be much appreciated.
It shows **7:23:07**
